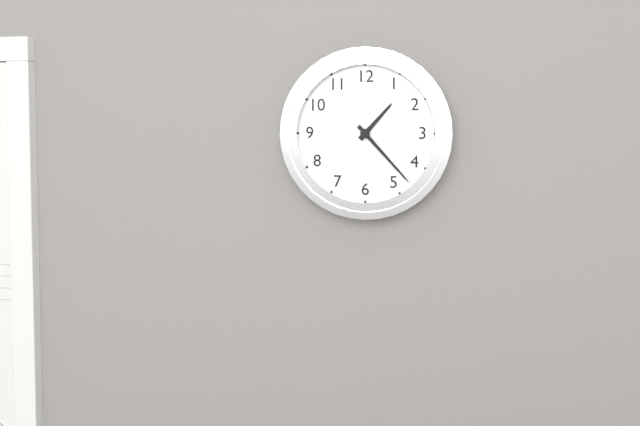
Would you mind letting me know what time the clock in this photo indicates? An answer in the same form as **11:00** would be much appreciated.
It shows **1:23**
